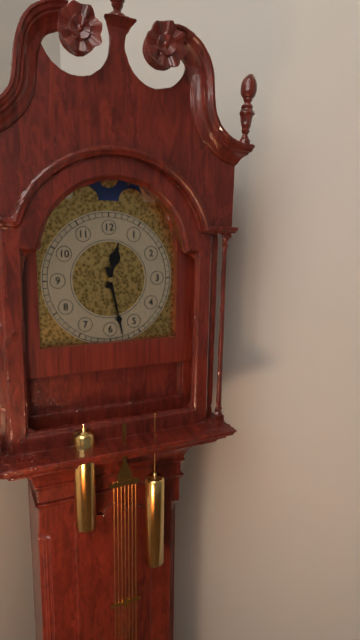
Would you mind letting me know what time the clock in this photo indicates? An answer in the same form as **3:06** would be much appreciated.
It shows **12:28**
